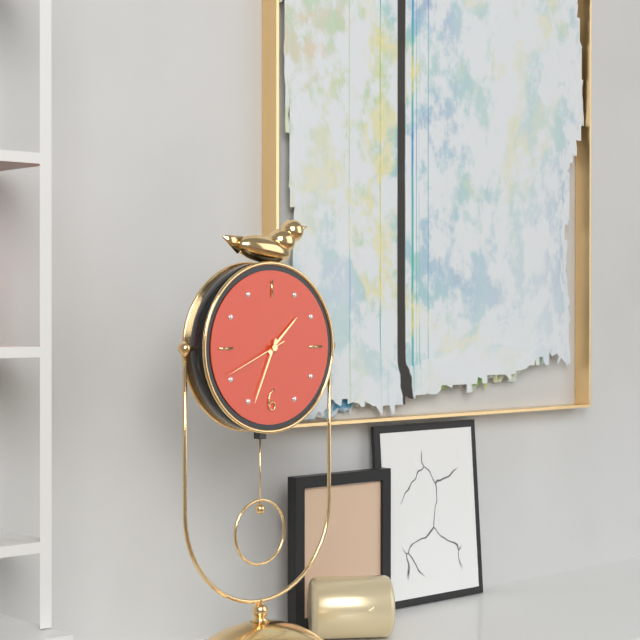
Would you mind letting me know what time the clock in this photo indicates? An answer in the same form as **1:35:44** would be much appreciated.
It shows **1:34:41**
